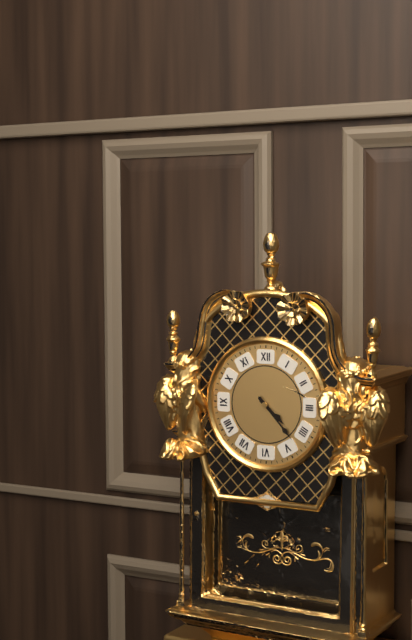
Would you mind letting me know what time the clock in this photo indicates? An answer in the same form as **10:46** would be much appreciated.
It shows **4:23**
